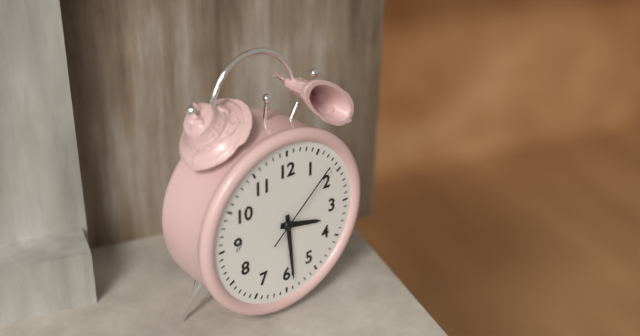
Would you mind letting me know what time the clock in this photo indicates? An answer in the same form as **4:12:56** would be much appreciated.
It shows **3:29:08**
